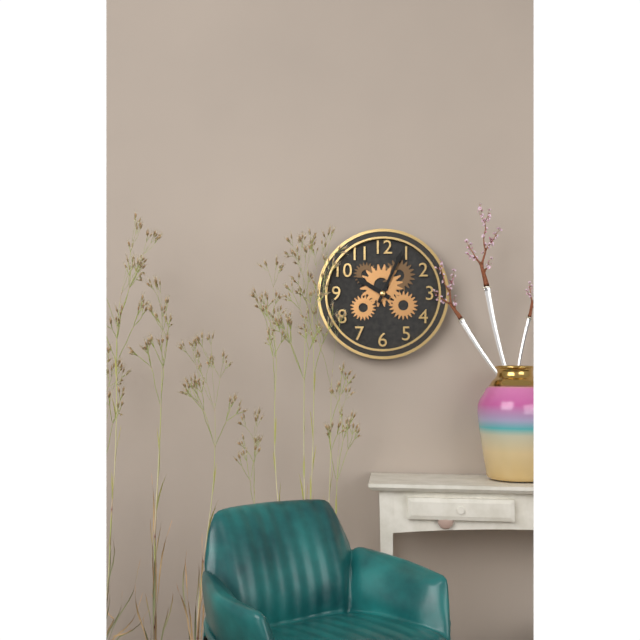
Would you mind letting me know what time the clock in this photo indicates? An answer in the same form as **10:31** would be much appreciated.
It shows **10:04**
